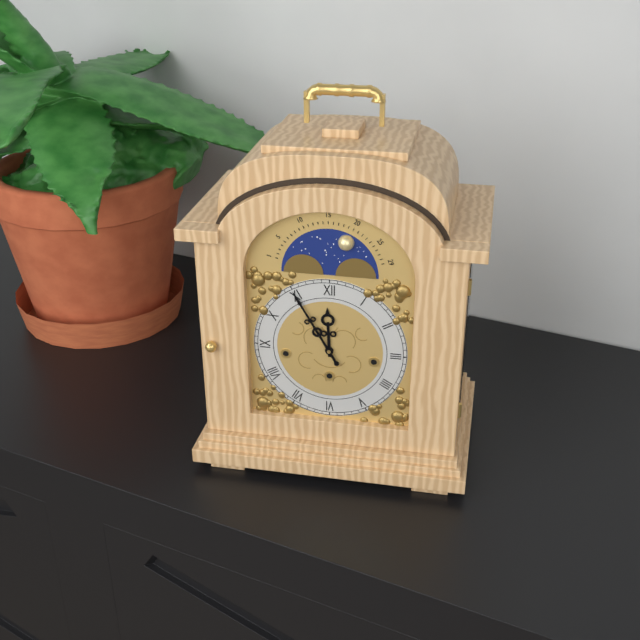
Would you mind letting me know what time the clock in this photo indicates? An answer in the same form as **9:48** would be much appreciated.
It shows **11:55**
